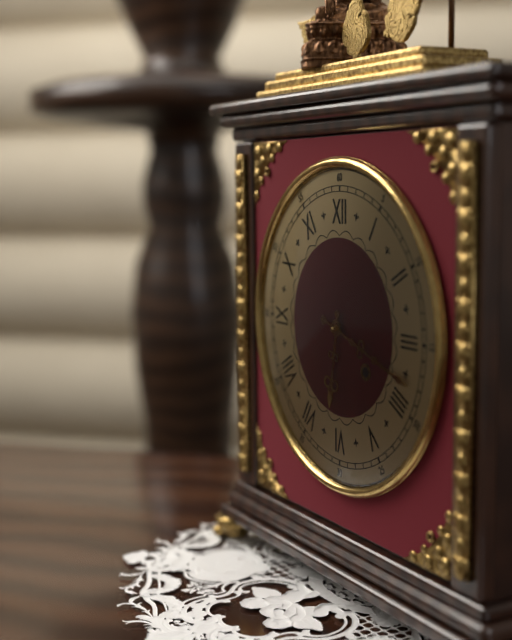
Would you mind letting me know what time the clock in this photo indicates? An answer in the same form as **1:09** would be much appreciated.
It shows **6:18**
